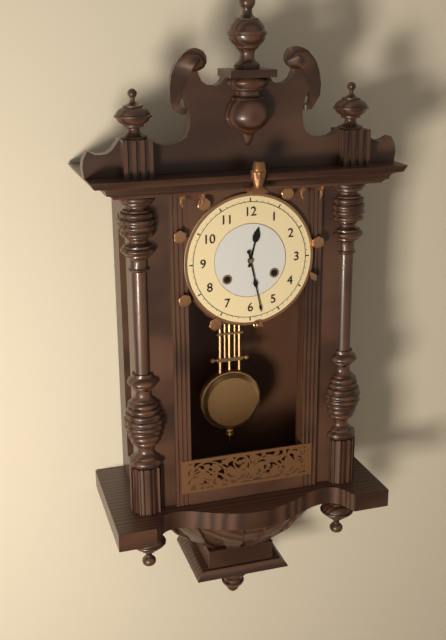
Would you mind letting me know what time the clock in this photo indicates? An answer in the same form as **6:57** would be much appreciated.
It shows **12:28**
